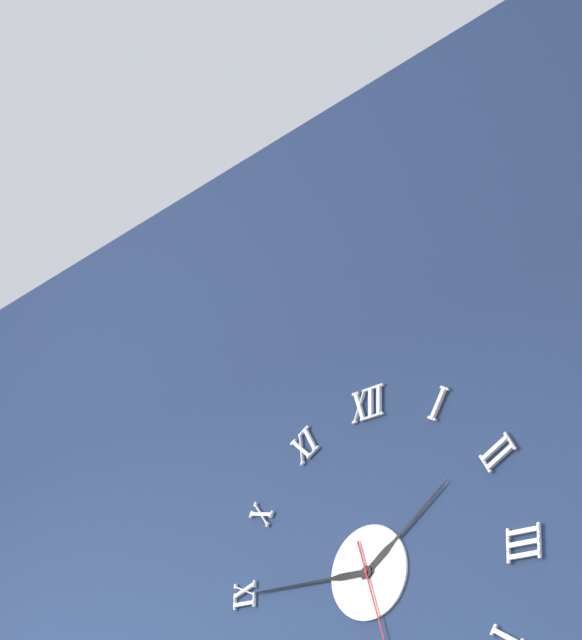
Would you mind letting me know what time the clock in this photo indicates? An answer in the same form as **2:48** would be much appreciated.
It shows **1:45**
